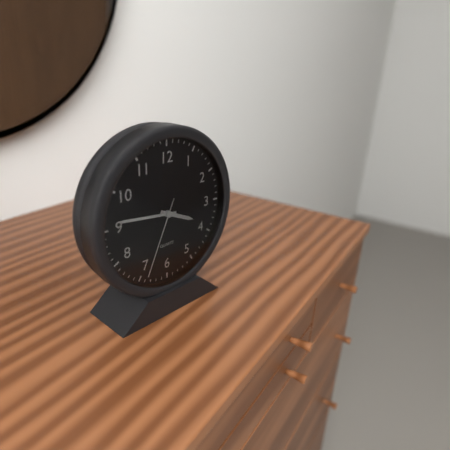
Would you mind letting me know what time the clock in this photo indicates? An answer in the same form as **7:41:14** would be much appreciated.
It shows **3:46:34**
